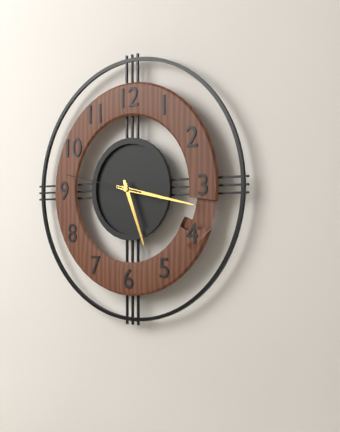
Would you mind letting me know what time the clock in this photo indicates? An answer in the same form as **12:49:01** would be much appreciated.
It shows **5:17:47**
